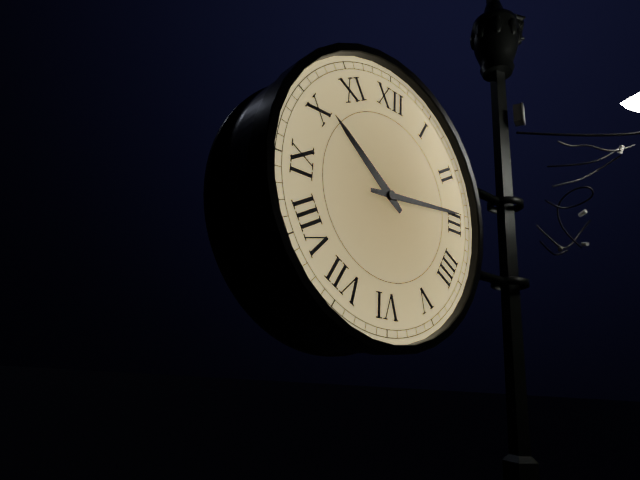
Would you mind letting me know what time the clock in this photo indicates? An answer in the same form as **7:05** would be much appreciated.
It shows **10:14**
